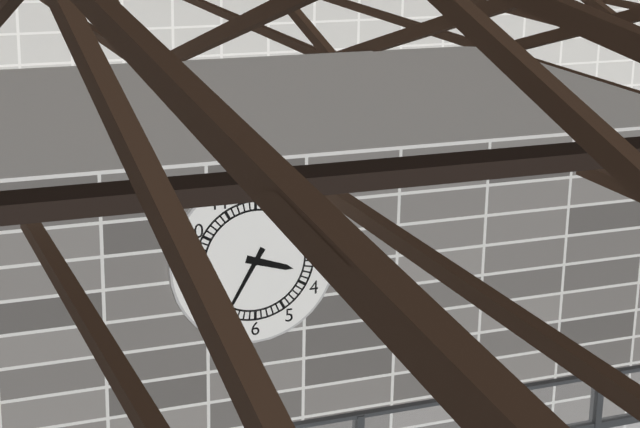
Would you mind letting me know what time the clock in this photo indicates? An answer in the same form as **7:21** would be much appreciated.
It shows **3:35**
